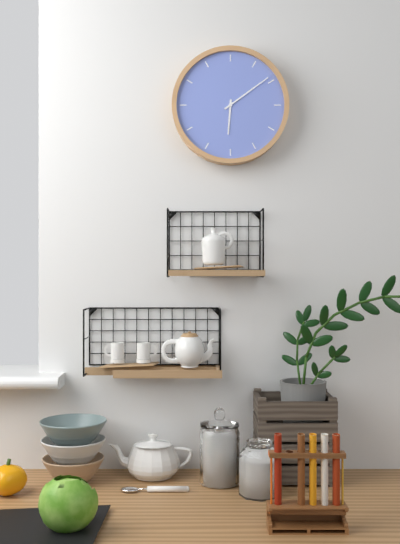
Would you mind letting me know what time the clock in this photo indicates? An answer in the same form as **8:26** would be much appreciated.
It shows **6:09**
